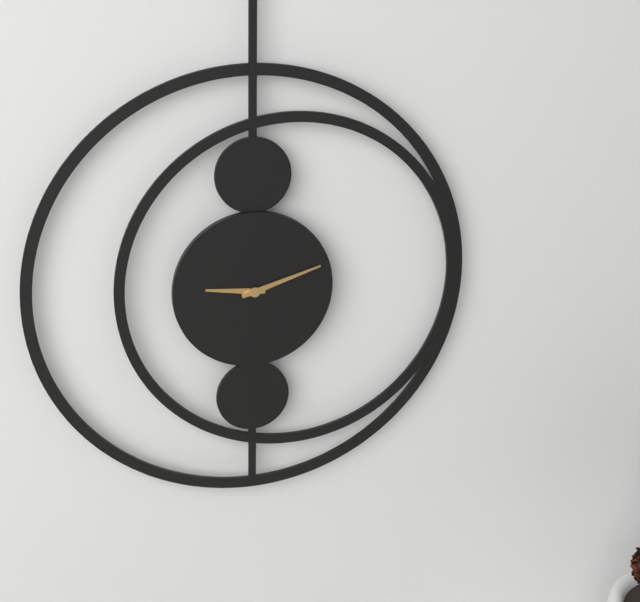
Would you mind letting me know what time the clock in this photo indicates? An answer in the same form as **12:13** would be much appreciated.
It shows **9:12**
